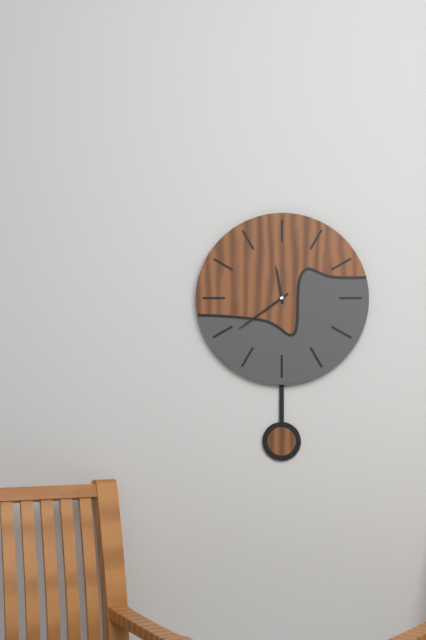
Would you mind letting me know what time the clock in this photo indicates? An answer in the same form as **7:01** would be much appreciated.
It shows **11:39**
